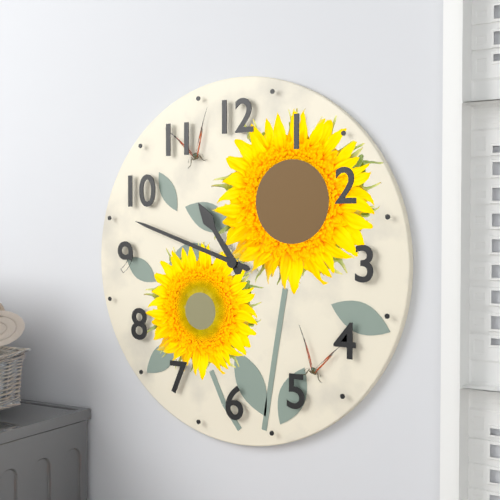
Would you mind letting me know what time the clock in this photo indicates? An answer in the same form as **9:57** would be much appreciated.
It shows **10:48**
